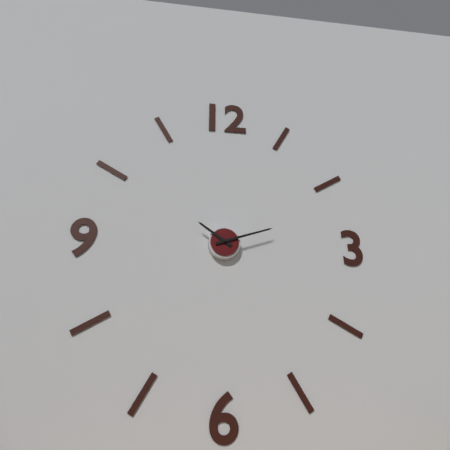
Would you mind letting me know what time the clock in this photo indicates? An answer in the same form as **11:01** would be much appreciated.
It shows **10:12**
